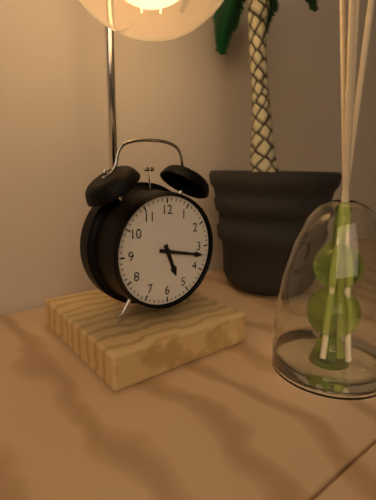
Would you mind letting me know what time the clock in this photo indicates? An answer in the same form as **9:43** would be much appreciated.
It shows **5:17**
